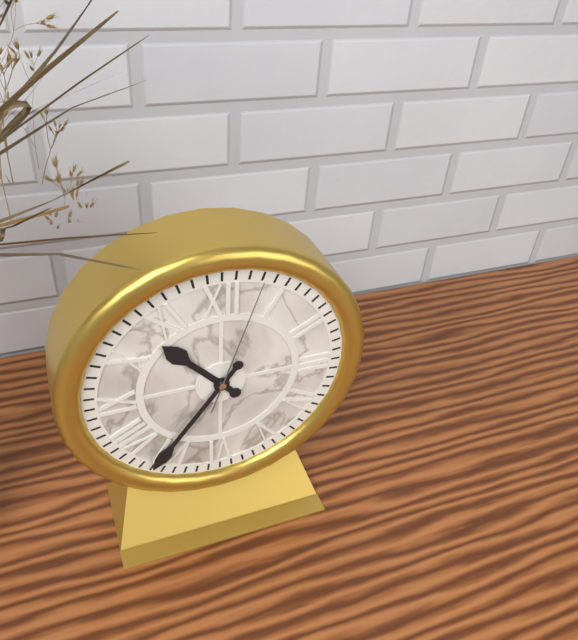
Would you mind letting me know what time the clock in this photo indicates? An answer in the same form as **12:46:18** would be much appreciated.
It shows **10:36:03**
